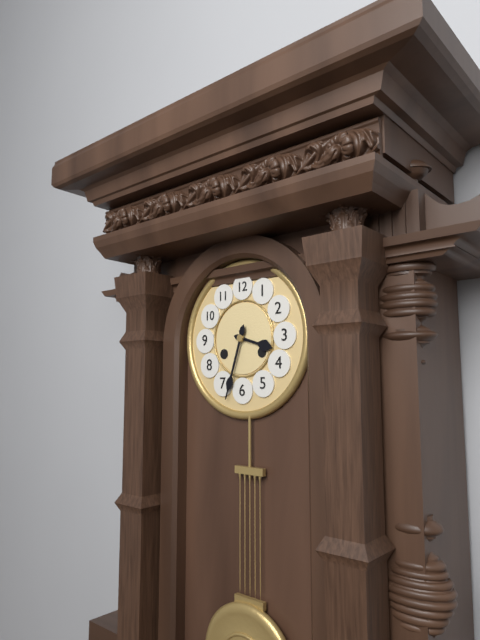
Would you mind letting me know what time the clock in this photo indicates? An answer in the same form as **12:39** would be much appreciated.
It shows **3:33**
